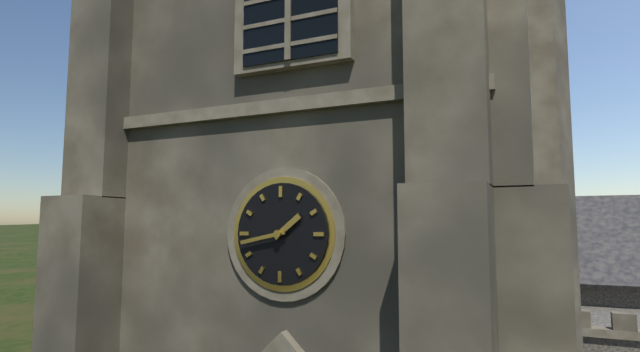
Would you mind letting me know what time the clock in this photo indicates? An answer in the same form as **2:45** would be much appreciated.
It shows **1:43**
